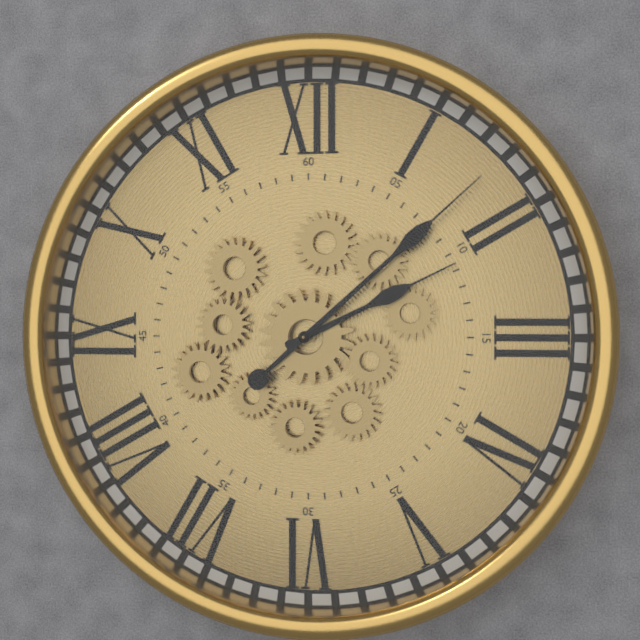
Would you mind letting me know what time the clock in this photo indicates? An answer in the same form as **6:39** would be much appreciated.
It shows **2:08**
